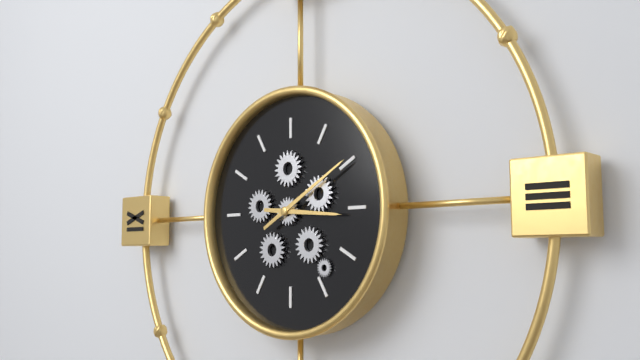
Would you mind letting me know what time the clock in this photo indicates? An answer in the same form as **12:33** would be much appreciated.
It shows **3:10**
